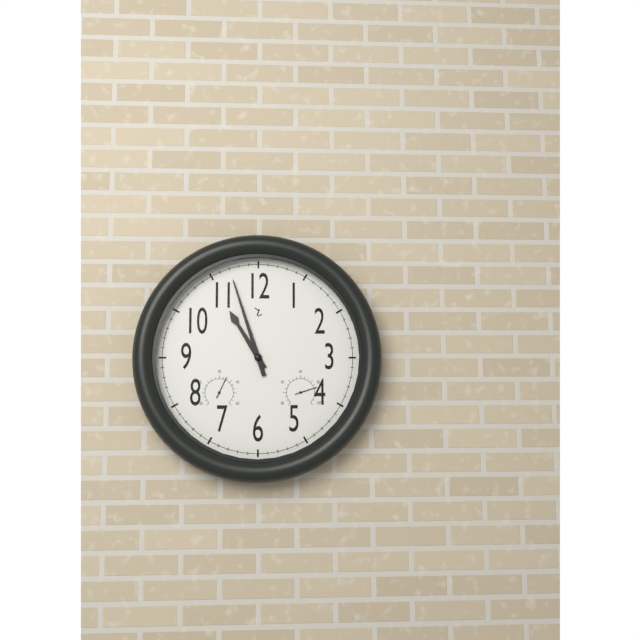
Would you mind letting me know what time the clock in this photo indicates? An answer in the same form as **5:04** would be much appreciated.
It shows **10:57**
